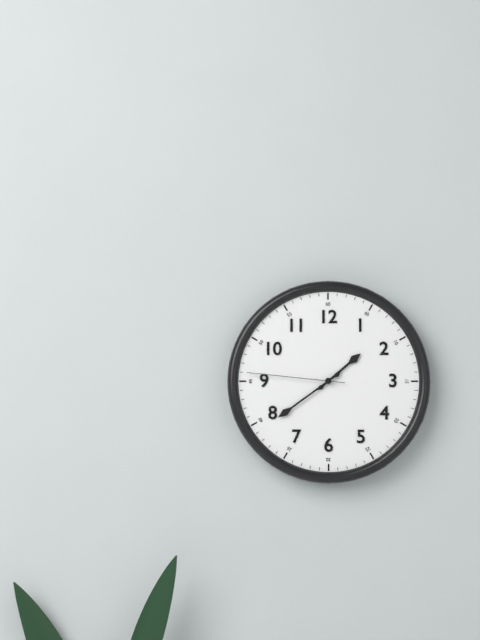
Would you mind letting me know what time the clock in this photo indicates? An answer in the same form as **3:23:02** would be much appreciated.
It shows **1:39:46**
